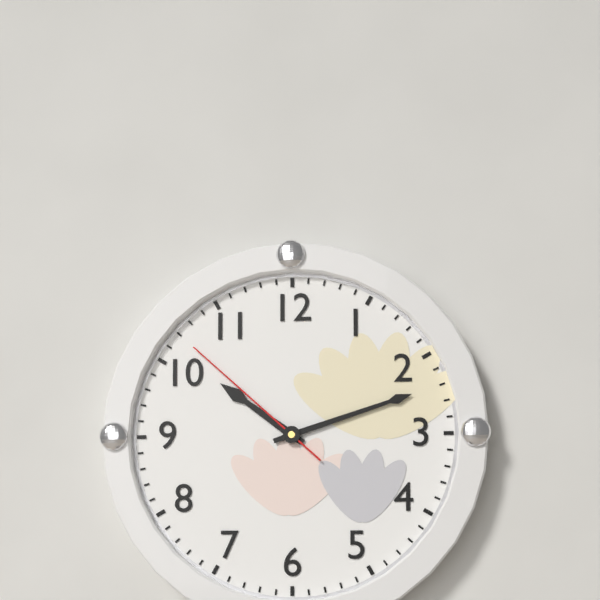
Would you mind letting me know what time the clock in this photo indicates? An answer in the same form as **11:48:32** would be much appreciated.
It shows **10:12:52**
